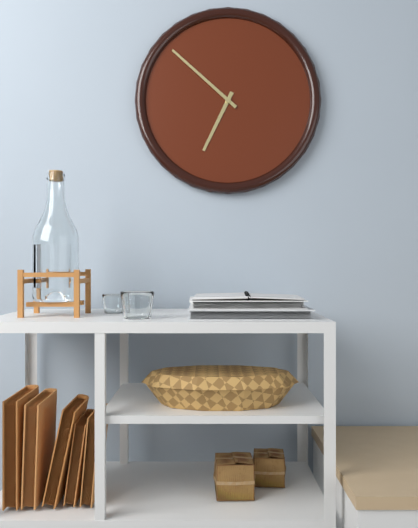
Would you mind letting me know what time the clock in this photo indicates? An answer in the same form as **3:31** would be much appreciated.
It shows **6:52**
